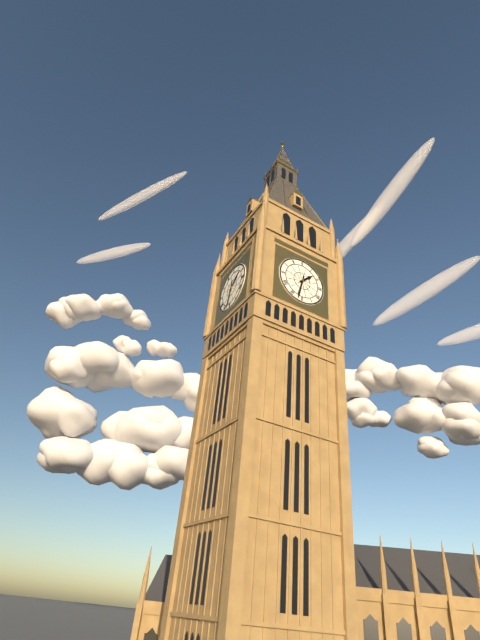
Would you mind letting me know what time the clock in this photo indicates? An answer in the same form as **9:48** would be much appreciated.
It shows **1:32**
